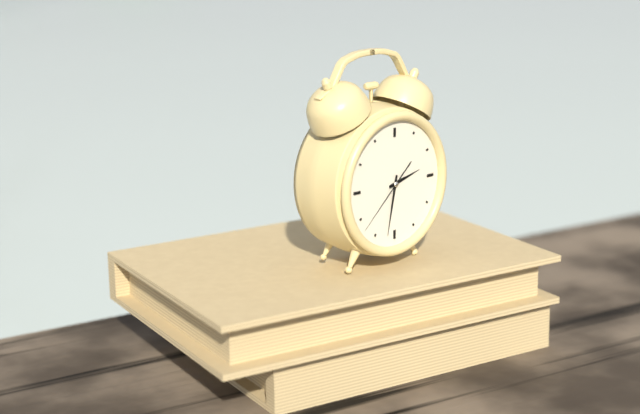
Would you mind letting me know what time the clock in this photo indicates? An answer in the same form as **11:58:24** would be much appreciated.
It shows **2:32:38**
